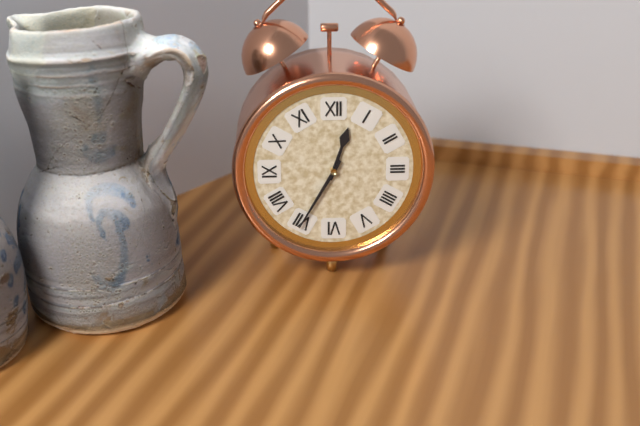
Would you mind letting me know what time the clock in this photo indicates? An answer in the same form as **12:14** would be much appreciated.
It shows **12:35**
